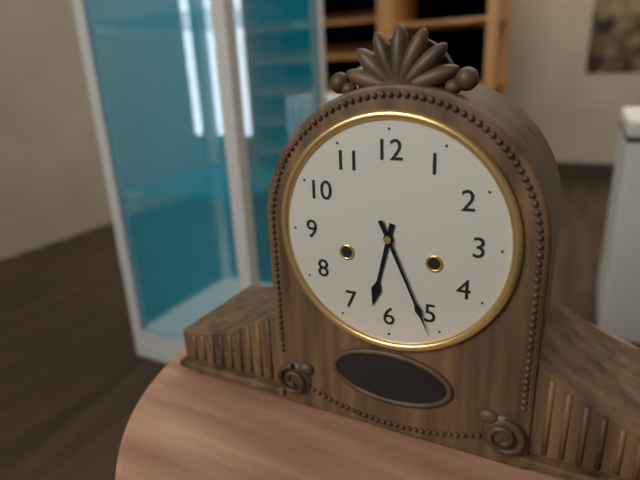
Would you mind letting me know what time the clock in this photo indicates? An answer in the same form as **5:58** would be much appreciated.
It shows **6:26**
